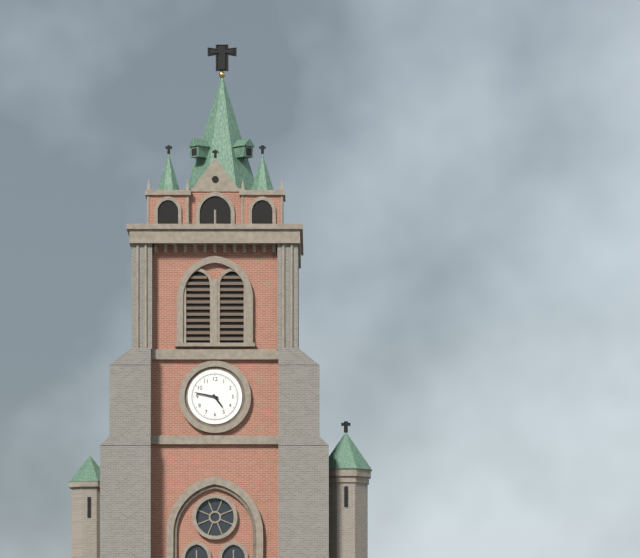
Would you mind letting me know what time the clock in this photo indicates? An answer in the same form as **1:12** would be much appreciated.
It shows **4:47**
